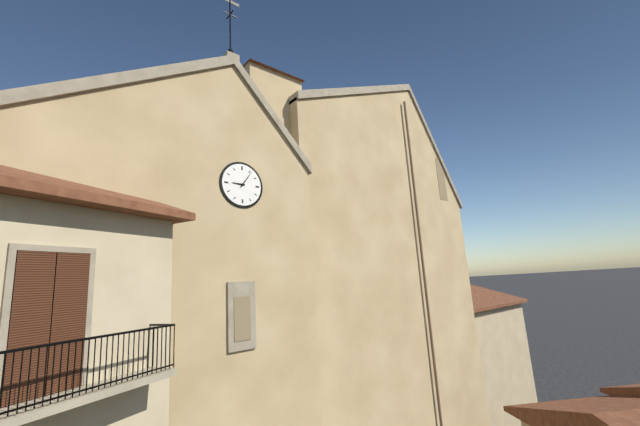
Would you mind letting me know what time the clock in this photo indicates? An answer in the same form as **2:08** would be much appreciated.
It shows **9:06**
